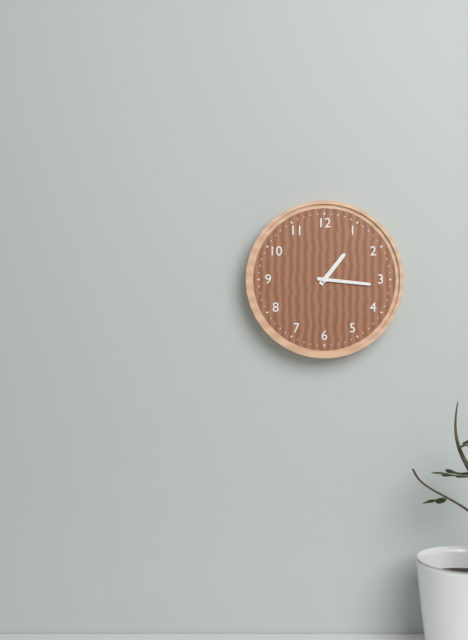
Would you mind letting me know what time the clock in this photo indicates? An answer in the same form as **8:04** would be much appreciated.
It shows **1:16**
